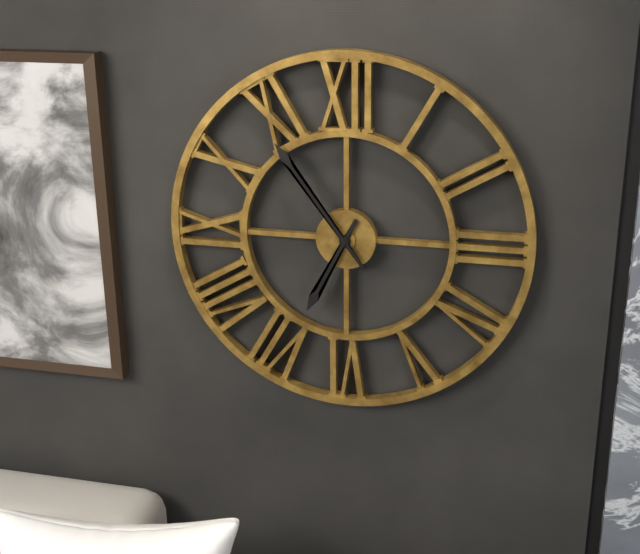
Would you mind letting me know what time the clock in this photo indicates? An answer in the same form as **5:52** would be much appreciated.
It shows **6:54**
